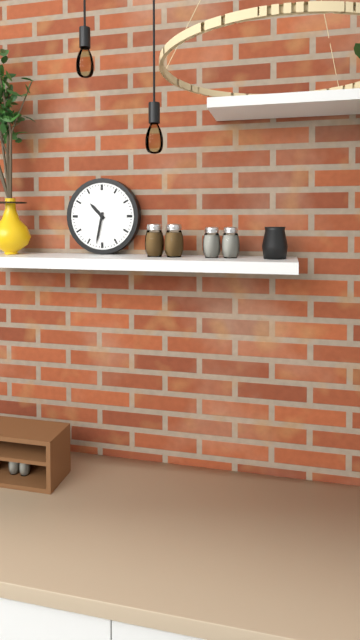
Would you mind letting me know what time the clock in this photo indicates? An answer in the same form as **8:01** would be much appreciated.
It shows **10:32**
